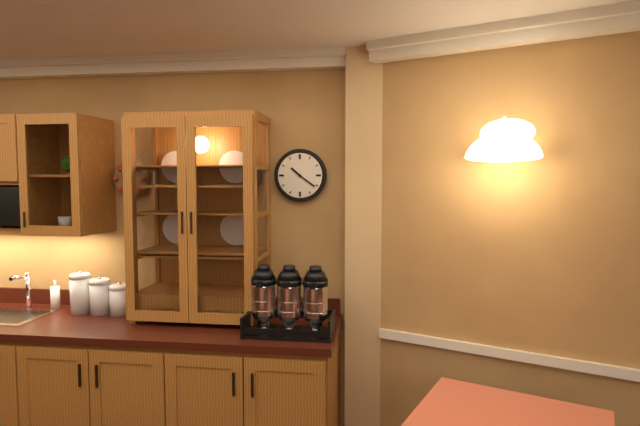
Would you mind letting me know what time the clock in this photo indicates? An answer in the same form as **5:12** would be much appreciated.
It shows **10:21**
